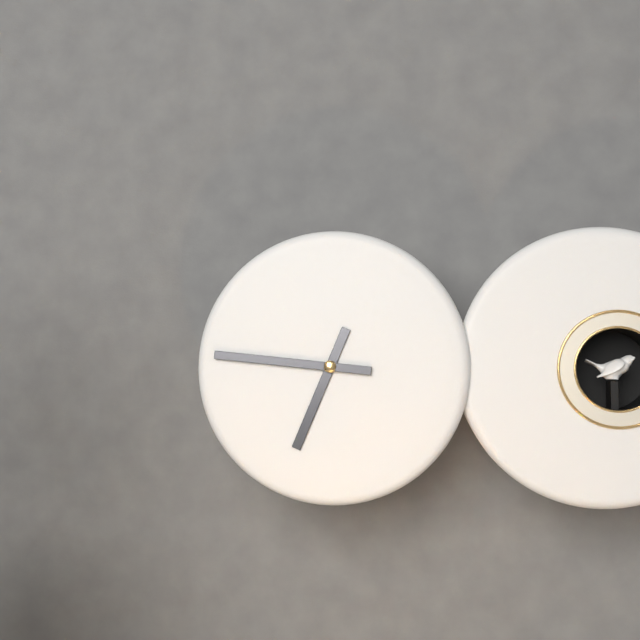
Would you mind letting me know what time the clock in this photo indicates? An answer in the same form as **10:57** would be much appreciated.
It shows **6:46**
